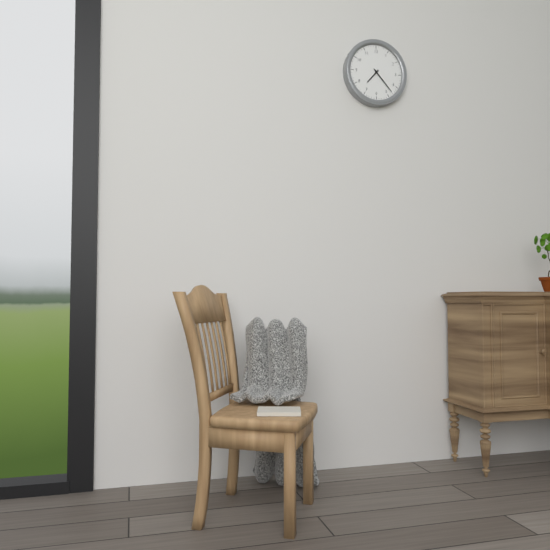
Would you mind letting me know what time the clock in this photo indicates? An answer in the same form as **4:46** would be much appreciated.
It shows **7:23**
